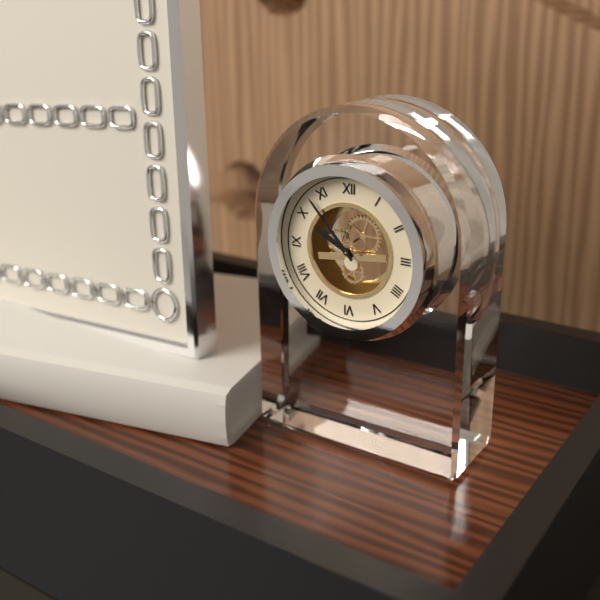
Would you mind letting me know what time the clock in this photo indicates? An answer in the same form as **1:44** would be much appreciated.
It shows **9:53**
